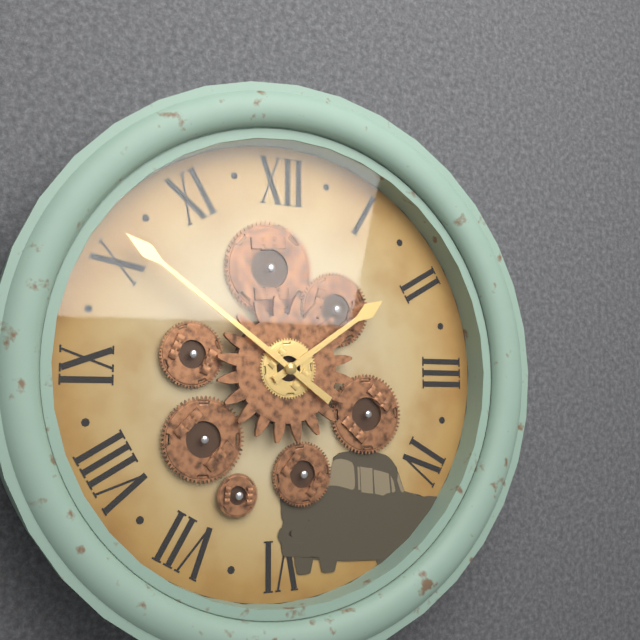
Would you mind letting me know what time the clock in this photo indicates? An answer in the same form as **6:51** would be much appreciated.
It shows **1:51**
